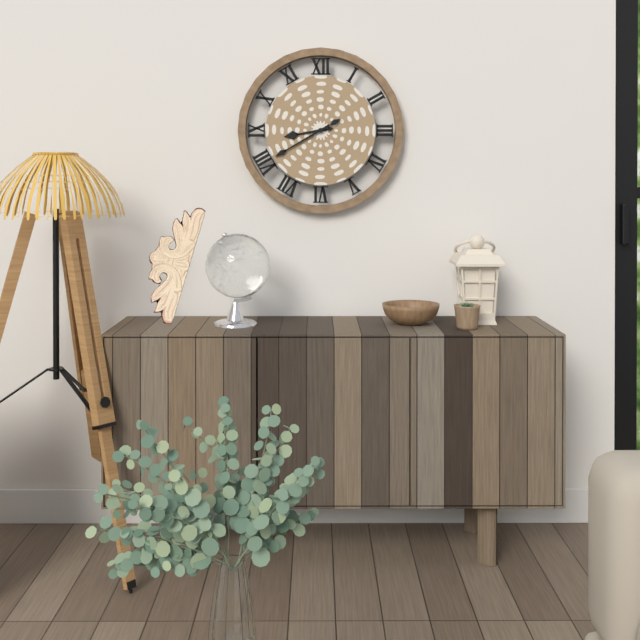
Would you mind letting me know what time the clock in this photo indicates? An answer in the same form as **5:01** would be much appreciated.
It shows **8:40**
